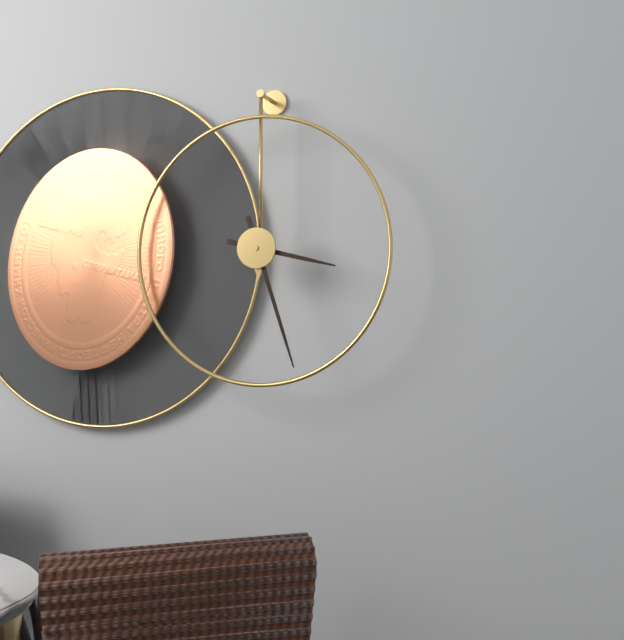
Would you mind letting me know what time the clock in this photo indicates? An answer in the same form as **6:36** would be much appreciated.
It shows **3:27**
